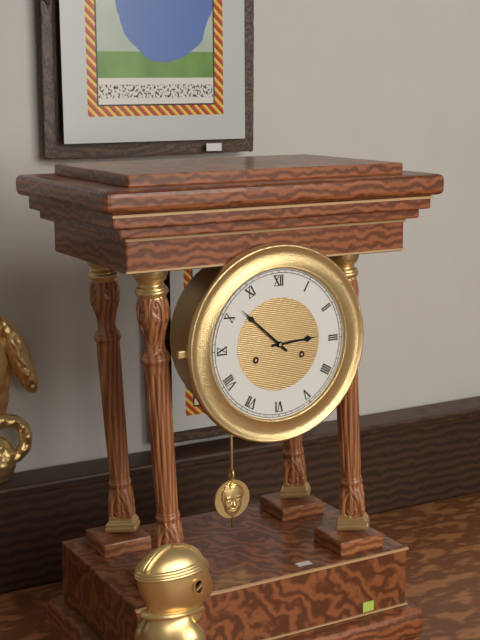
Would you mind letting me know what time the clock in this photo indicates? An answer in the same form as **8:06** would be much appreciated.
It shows **2:52**
